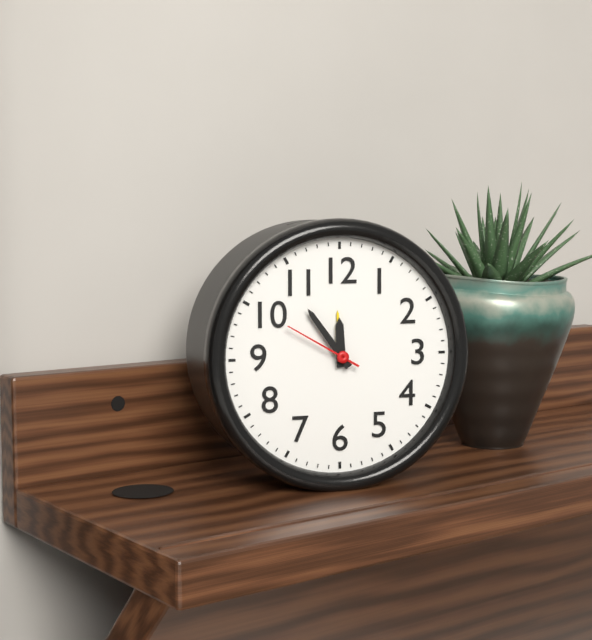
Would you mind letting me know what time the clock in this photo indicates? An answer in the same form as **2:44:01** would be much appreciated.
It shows **11:54:50**
